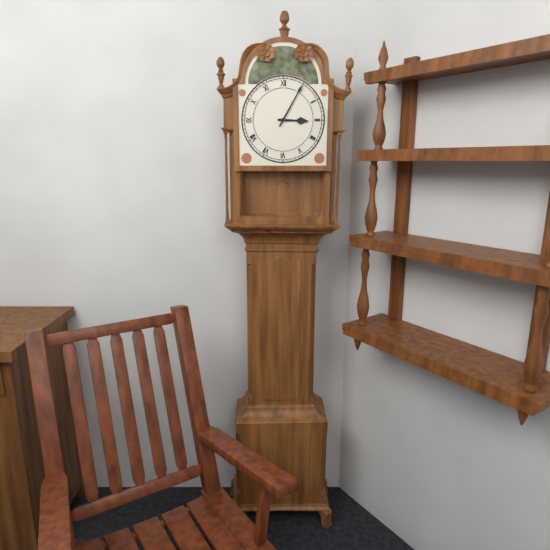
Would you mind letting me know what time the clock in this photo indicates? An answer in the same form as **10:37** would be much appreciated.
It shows **3:05**
